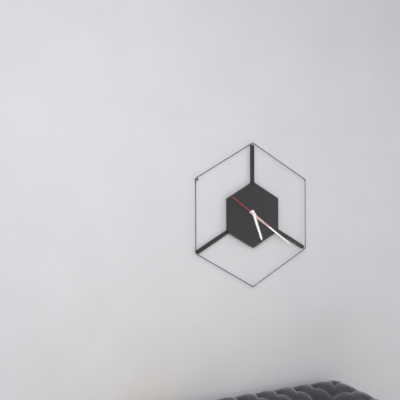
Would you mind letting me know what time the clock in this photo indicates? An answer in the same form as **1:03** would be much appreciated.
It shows **5:21**
